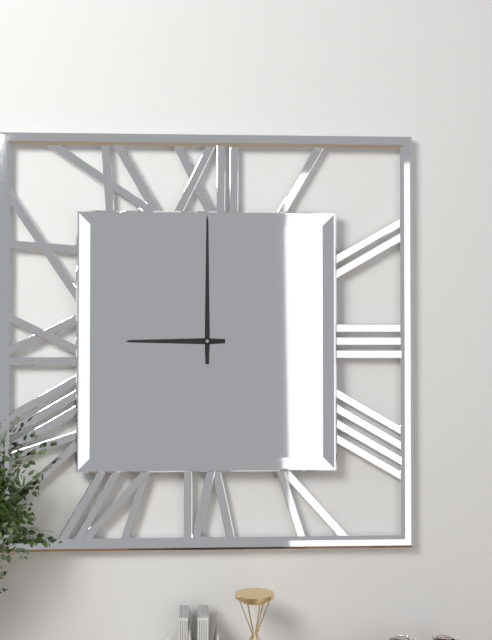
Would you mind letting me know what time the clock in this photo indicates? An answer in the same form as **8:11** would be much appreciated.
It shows **9:00**
